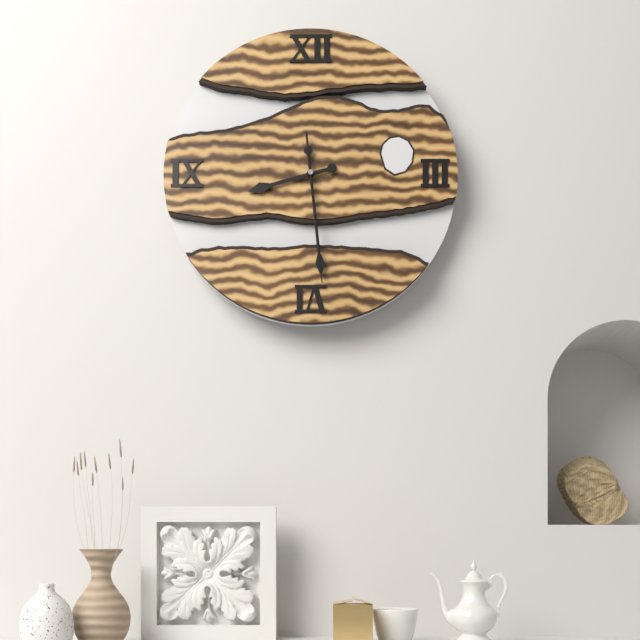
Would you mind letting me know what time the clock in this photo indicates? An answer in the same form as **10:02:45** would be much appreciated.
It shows **8:29:29**
